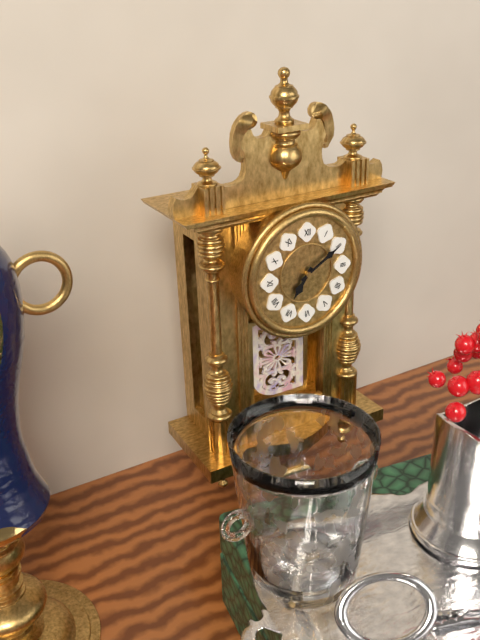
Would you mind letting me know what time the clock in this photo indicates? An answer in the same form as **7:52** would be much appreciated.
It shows **7:10**
